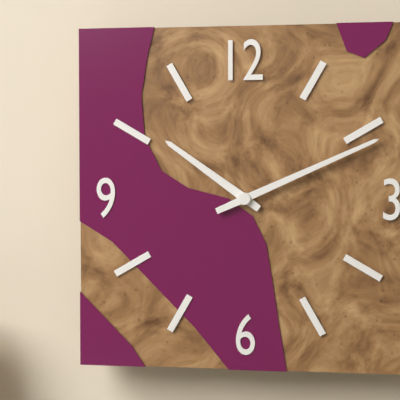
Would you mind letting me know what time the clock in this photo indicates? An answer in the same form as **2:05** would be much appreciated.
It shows **10:11**
